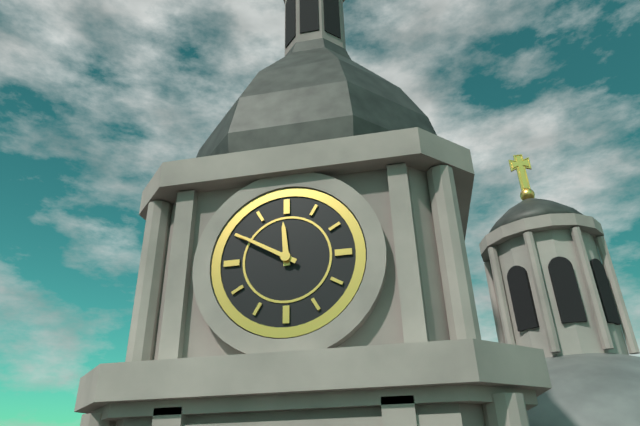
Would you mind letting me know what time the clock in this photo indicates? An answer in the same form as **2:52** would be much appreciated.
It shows **11:50**
